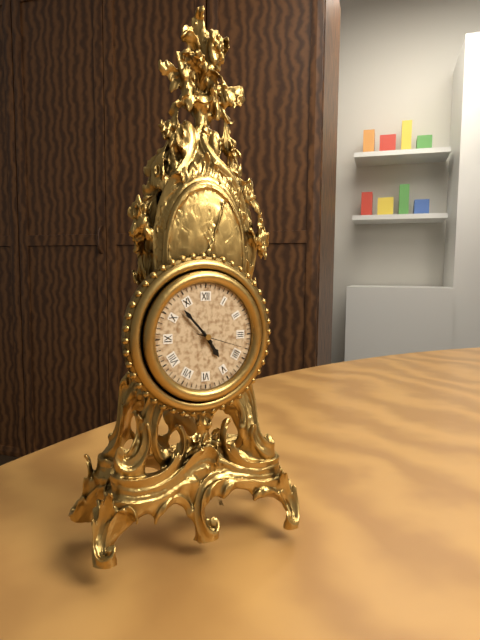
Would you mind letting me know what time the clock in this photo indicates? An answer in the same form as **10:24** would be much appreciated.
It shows **4:53**
